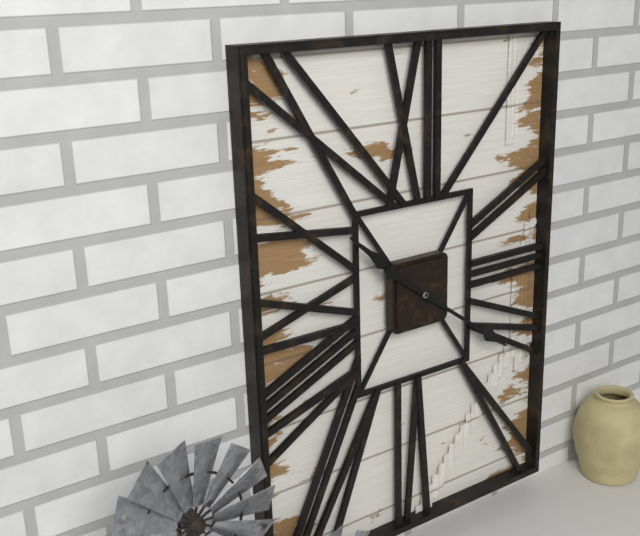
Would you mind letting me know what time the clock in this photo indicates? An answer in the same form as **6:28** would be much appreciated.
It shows **10:21**
